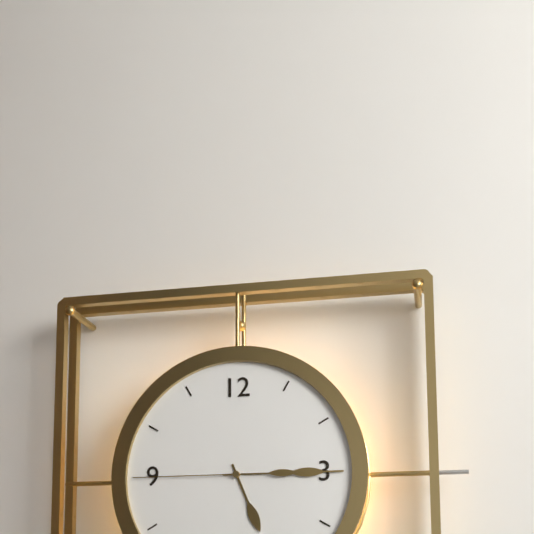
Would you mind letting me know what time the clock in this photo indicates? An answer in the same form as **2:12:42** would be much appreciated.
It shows **5:15:45**
